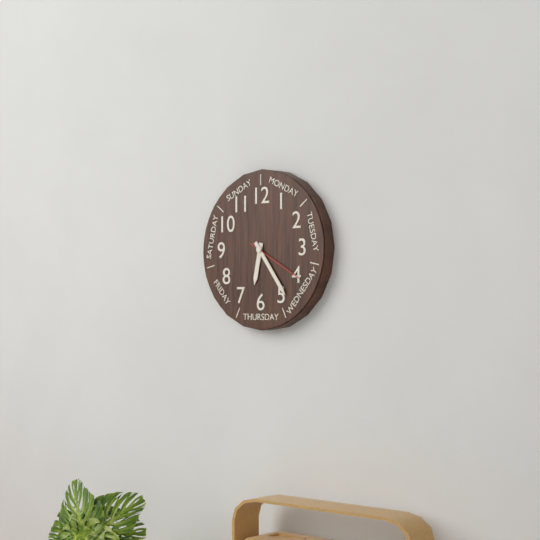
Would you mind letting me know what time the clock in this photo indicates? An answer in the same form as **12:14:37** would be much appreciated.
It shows **6:24:20**
